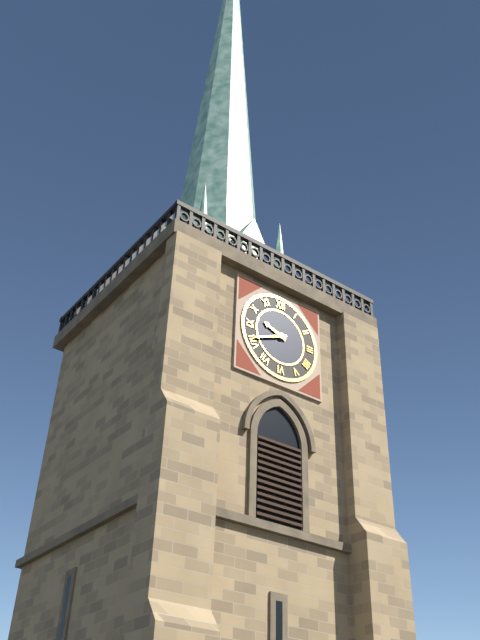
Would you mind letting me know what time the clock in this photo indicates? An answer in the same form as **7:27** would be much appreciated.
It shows **9:41**
